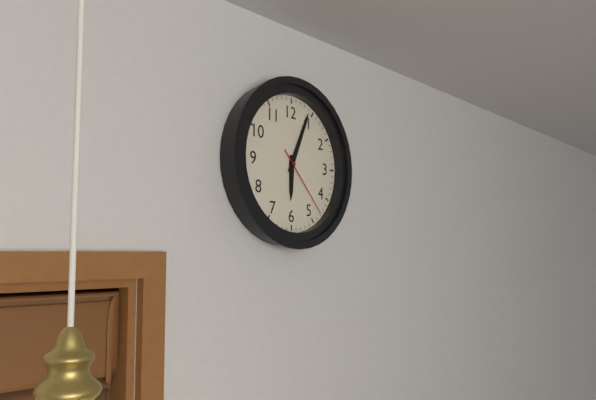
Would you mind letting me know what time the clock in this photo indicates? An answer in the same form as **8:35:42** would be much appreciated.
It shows **6:04:23**
